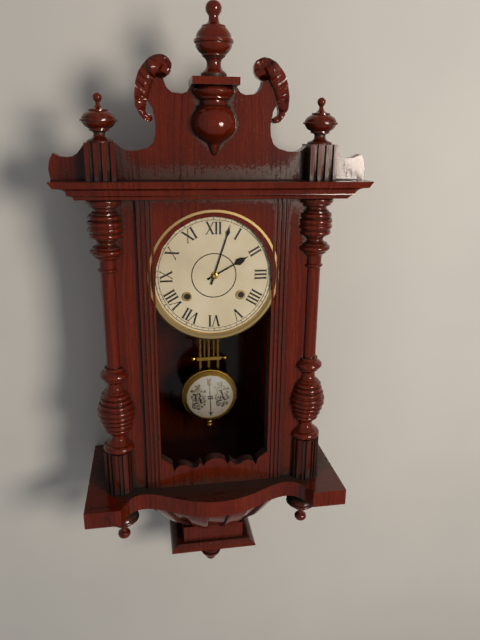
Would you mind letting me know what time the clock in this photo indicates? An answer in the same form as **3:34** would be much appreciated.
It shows **2:03**
